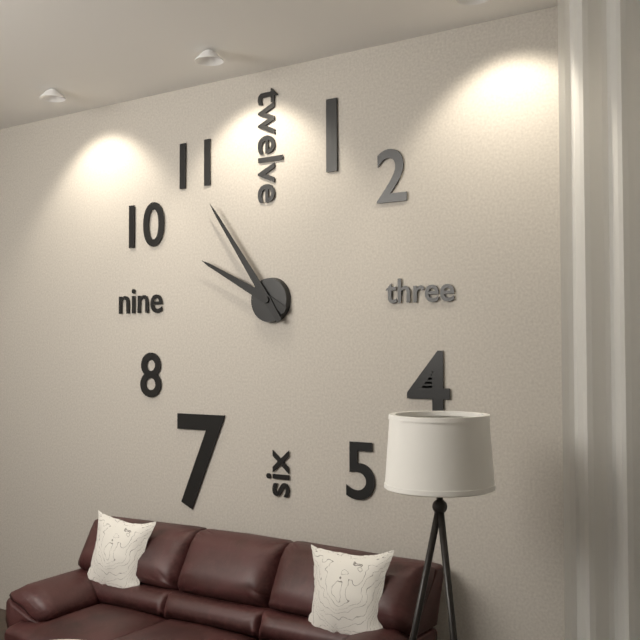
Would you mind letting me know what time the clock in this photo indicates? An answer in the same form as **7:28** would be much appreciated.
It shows **9:54**
